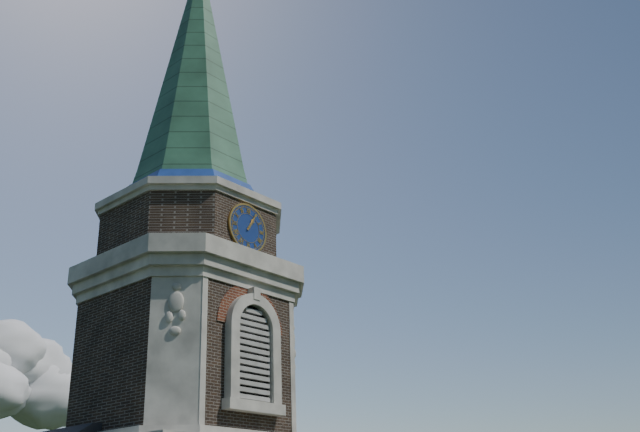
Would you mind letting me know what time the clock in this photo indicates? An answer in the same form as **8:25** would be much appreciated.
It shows **1:05**
